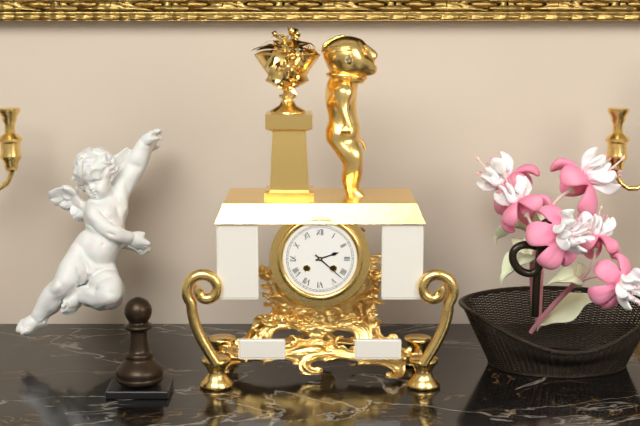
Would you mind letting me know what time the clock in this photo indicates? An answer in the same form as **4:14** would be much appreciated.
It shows **2:22**
